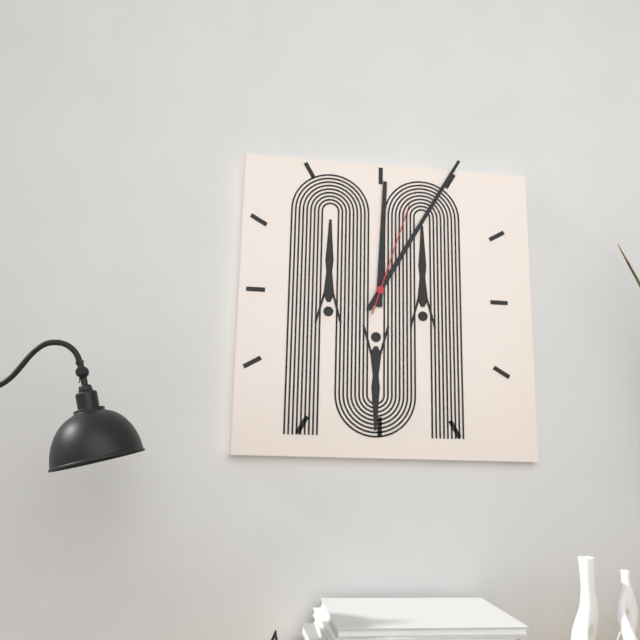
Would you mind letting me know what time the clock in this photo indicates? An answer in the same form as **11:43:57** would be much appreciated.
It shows **12:05:03**
